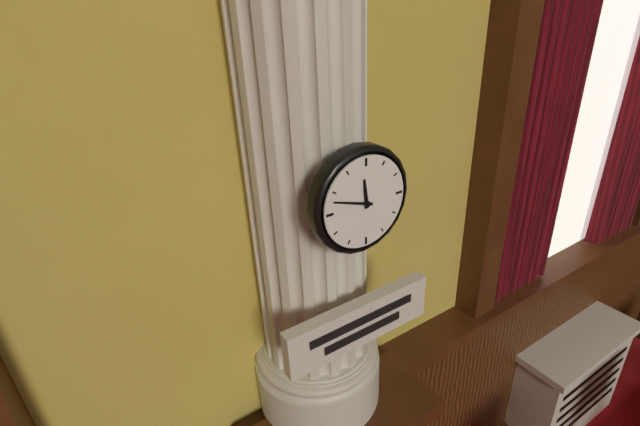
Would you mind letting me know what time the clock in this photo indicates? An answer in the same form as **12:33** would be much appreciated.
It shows **11:48**
